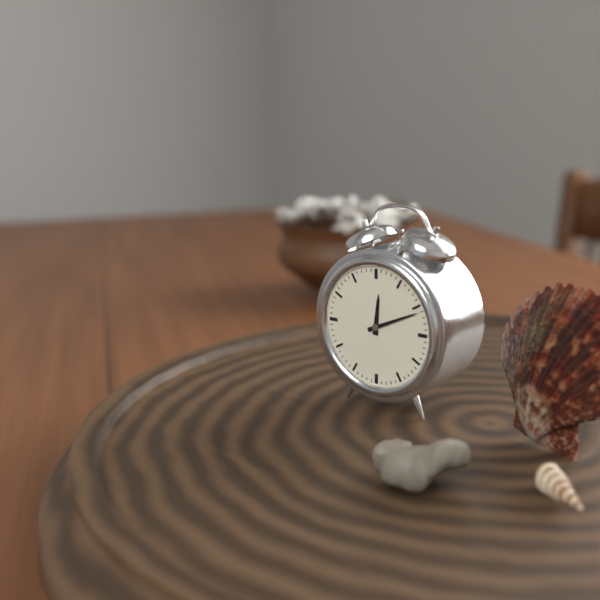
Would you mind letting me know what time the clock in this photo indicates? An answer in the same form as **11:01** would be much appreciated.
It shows **12:11**
